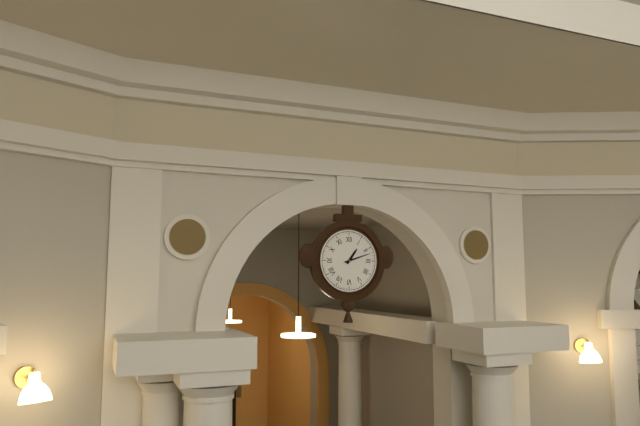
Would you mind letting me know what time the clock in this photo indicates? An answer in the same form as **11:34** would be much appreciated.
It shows **1:12**
